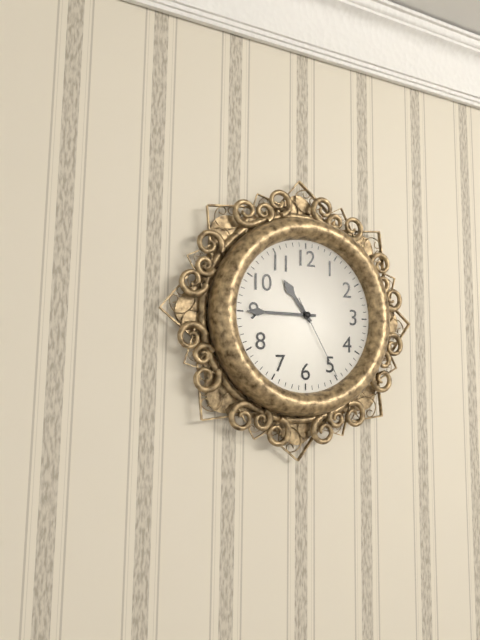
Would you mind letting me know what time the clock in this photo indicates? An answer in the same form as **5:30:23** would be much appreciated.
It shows **10:45:25**
